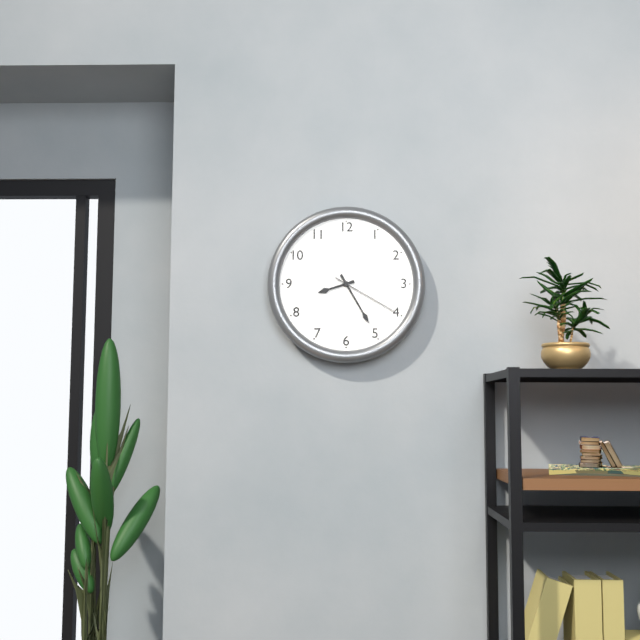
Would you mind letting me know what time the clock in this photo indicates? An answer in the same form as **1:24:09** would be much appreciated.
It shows **8:25:20**
